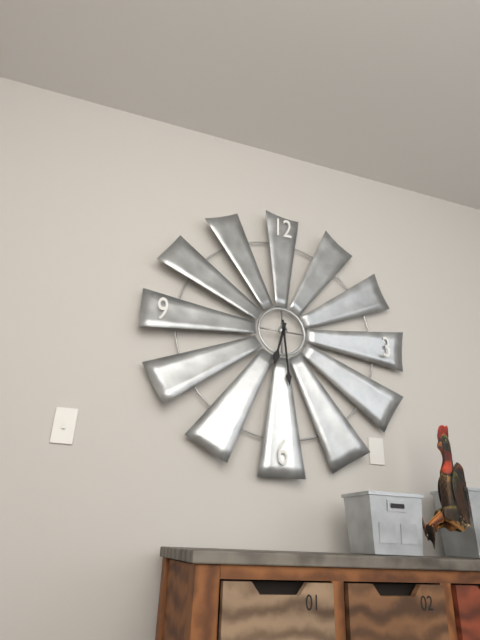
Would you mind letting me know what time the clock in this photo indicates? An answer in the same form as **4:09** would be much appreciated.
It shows **6:29**
